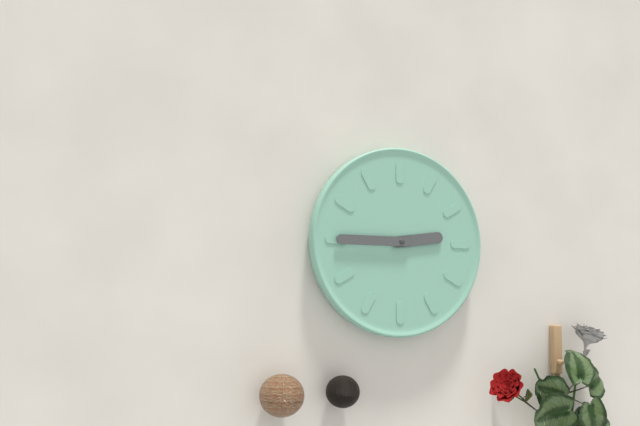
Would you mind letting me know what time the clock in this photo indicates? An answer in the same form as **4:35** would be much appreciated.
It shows **2:45**
